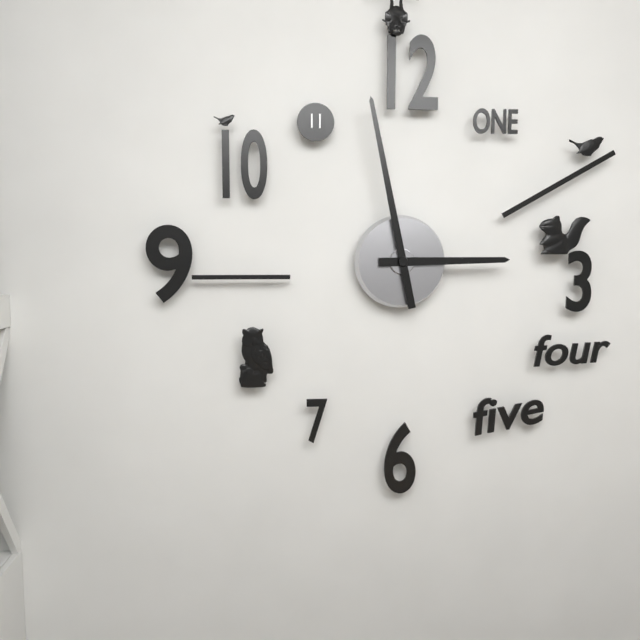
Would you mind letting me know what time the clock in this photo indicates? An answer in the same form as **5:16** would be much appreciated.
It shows **2:58**
